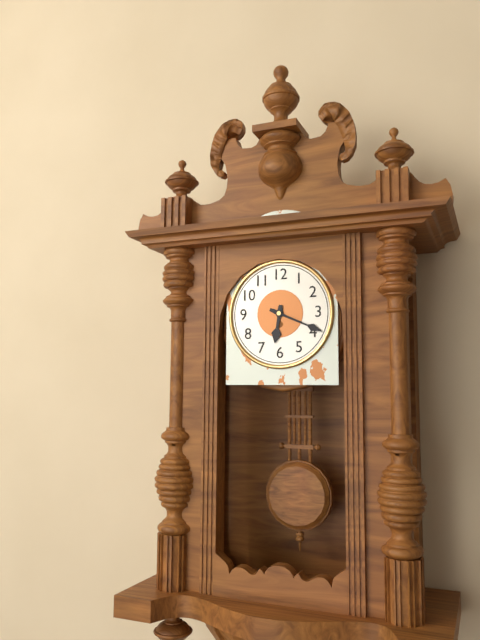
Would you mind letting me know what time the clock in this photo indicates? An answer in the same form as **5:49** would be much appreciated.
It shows **6:19**
